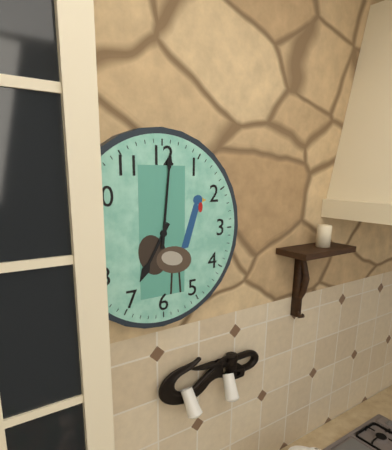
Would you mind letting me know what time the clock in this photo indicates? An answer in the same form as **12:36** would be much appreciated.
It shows **7:01**
